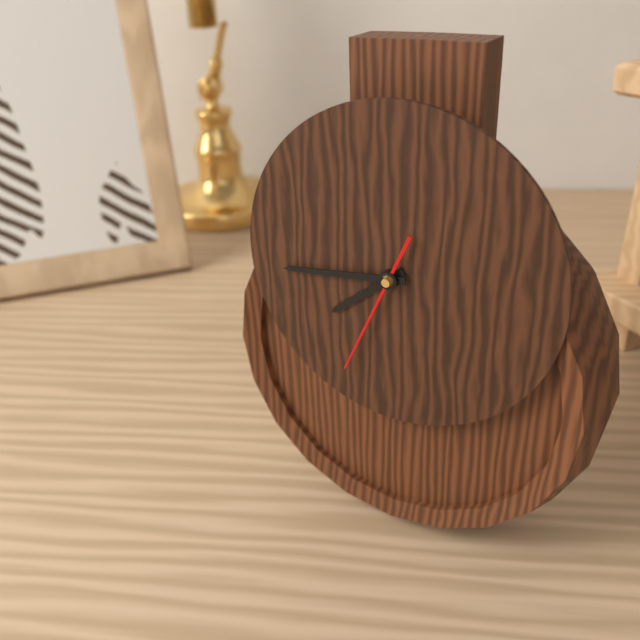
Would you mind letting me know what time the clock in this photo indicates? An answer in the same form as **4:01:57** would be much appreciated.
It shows **7:44:34**
